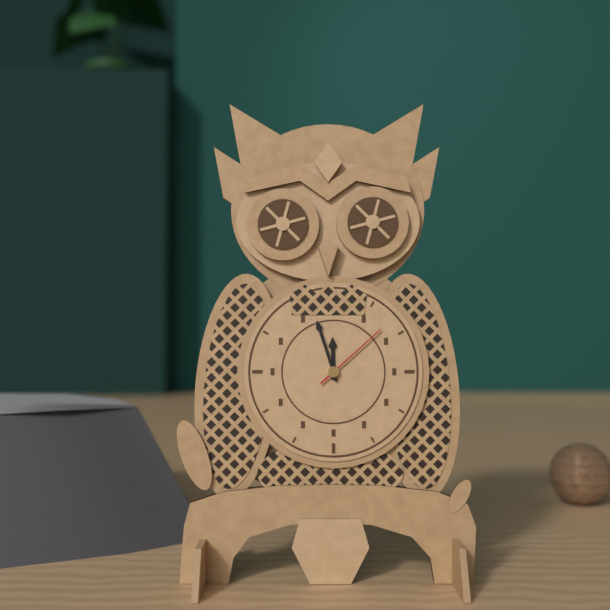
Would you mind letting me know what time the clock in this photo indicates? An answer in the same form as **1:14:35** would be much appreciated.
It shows **11:57:08**
